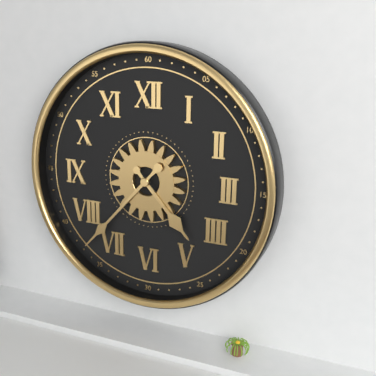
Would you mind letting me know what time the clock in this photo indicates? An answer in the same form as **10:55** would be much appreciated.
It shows **4:37**
